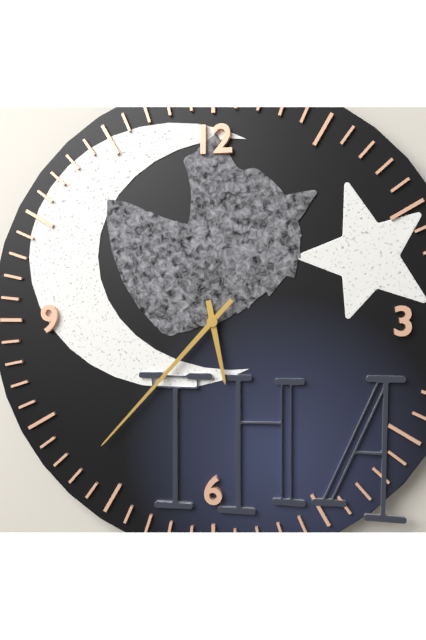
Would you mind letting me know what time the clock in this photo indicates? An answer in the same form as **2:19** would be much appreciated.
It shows **5:37**
